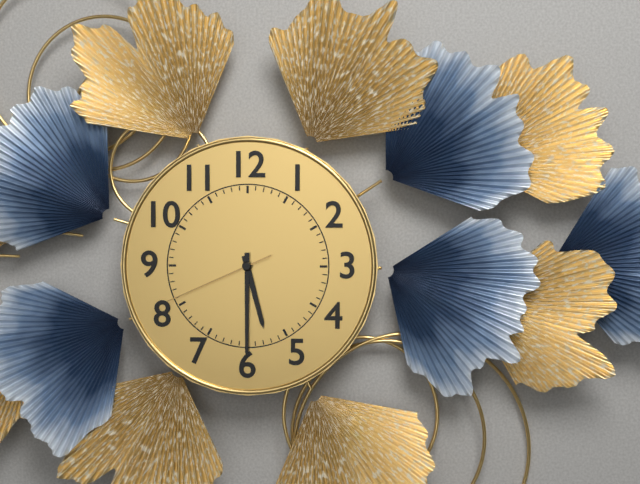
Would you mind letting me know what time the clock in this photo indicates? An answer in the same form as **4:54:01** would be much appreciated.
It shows **5:30:41**
